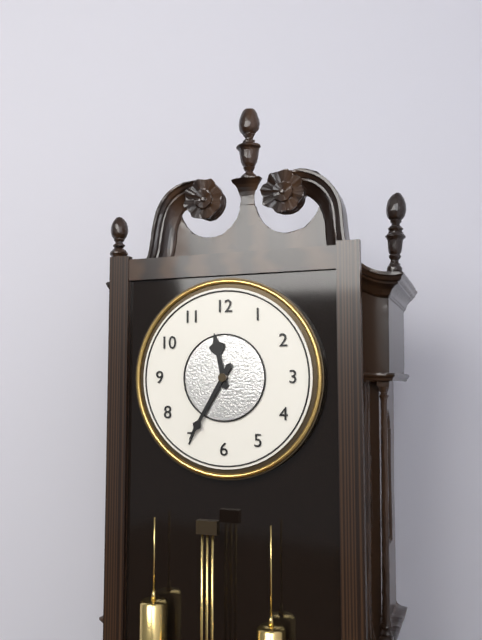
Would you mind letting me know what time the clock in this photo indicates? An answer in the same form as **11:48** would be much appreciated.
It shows **11:35**
